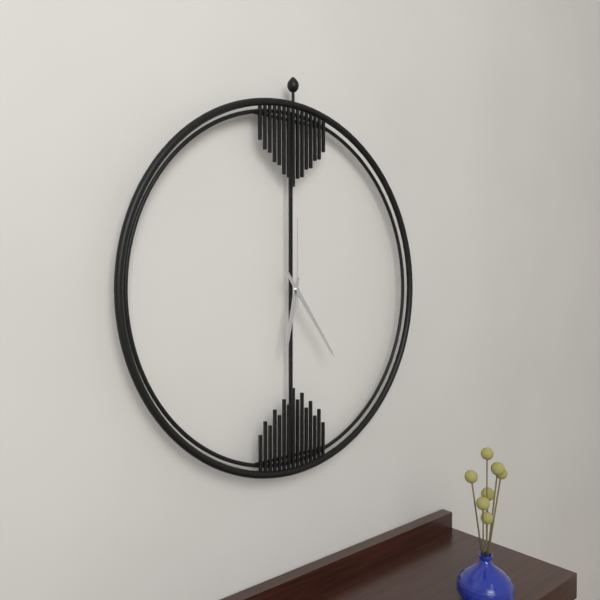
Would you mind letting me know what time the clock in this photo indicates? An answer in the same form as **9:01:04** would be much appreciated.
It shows **6:24:00**
